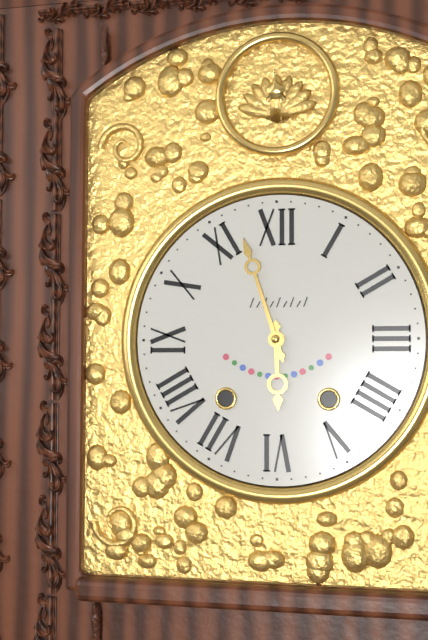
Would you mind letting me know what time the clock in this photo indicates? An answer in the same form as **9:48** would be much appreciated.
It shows **5:57**
